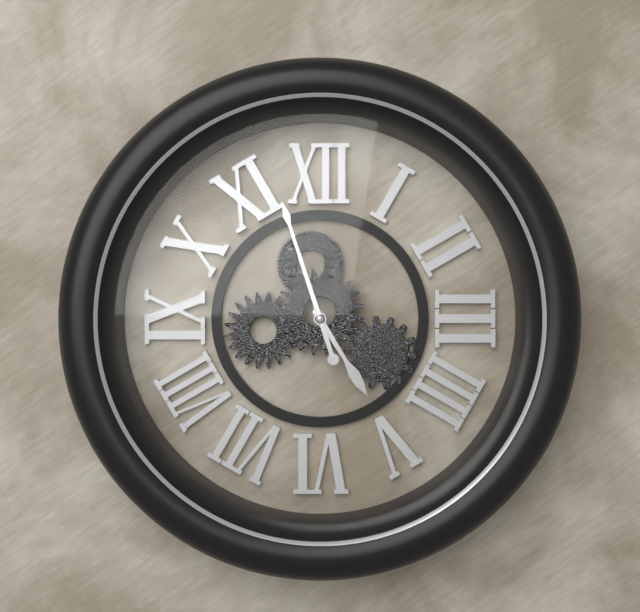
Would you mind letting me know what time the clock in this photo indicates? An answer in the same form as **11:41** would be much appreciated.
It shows **4:57**
